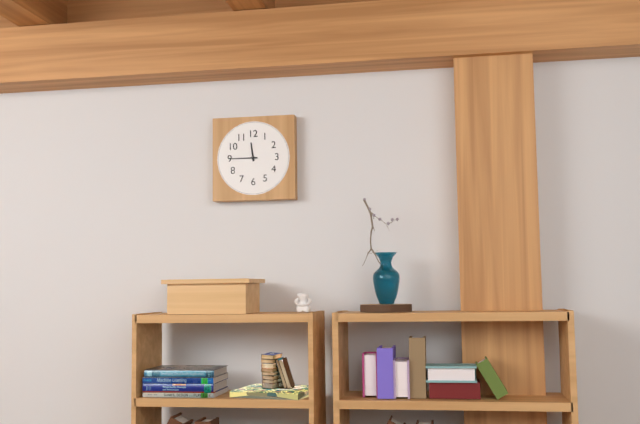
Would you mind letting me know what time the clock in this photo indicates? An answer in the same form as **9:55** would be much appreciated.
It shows **11:45**
